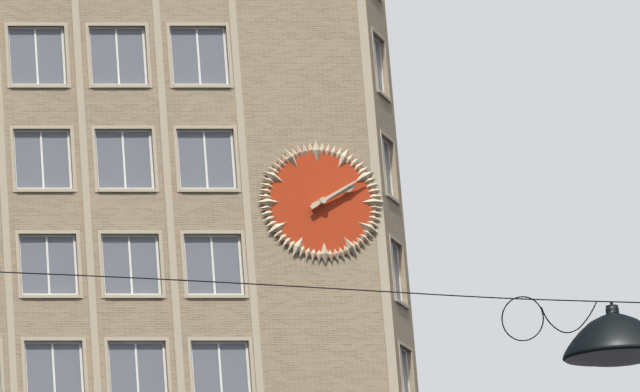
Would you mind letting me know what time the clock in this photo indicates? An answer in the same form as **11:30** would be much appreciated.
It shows **2:10**
